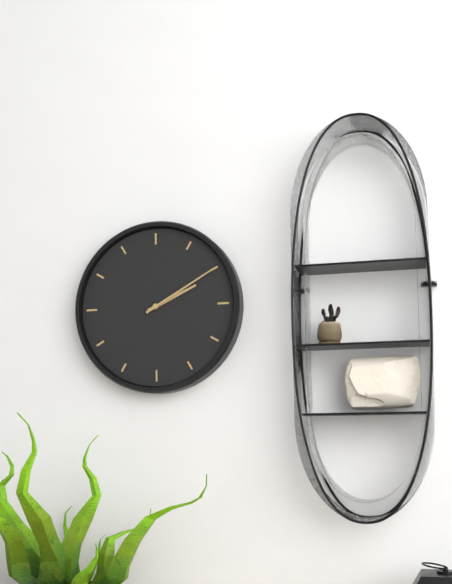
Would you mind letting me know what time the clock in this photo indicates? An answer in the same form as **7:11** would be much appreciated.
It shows **2:10**
